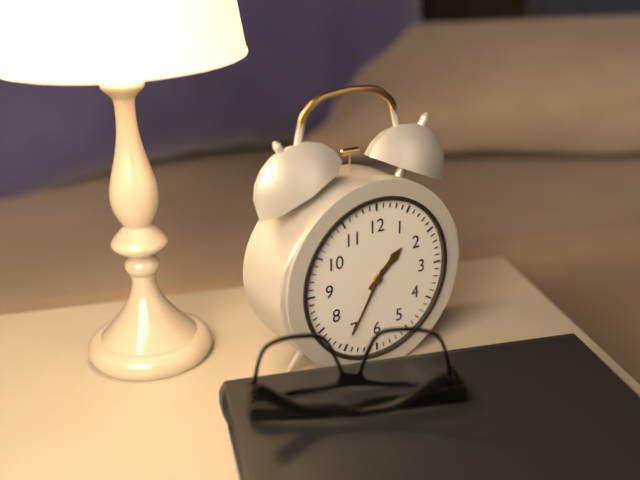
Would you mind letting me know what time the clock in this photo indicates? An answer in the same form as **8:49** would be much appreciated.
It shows **1:35**
